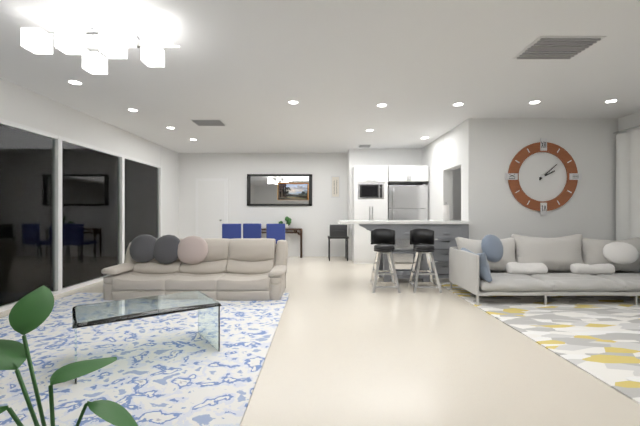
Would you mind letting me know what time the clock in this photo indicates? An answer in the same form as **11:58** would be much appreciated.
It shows **2:08**
